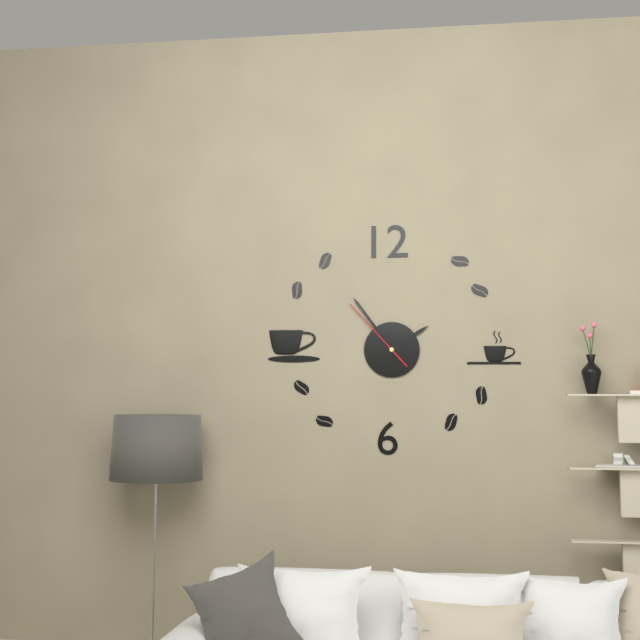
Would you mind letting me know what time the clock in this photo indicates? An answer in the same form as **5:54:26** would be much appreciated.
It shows **1:54:53**
